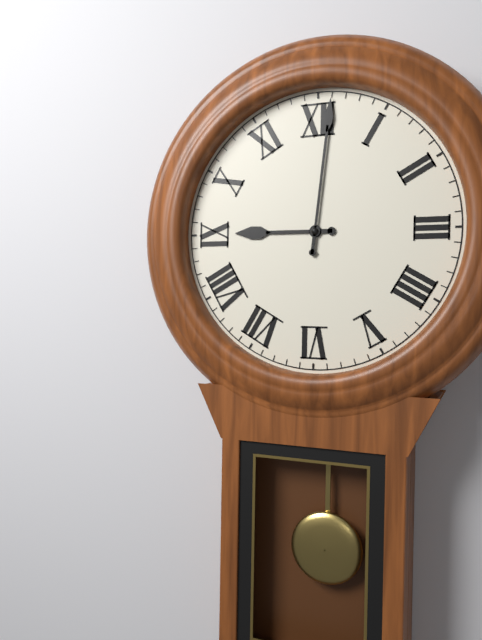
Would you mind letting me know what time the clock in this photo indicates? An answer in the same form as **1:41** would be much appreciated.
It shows **9:01**
